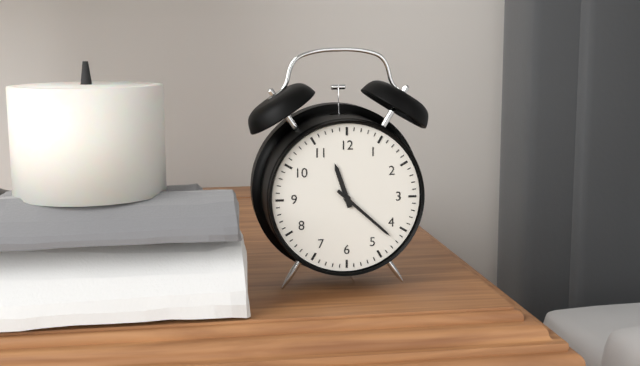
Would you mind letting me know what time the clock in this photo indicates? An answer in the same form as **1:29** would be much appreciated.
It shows **11:22**
